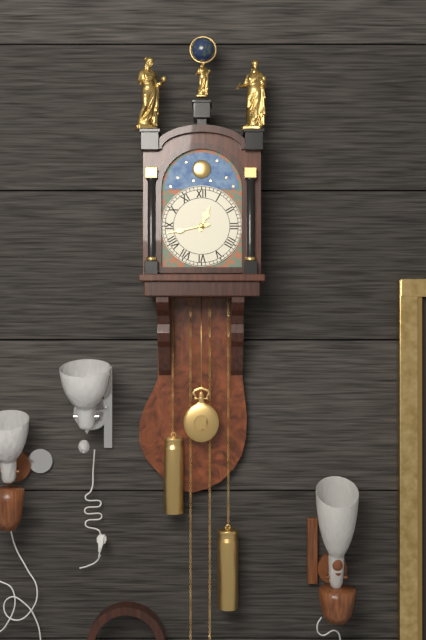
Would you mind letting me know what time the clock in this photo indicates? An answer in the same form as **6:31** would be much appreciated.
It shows **12:43**
